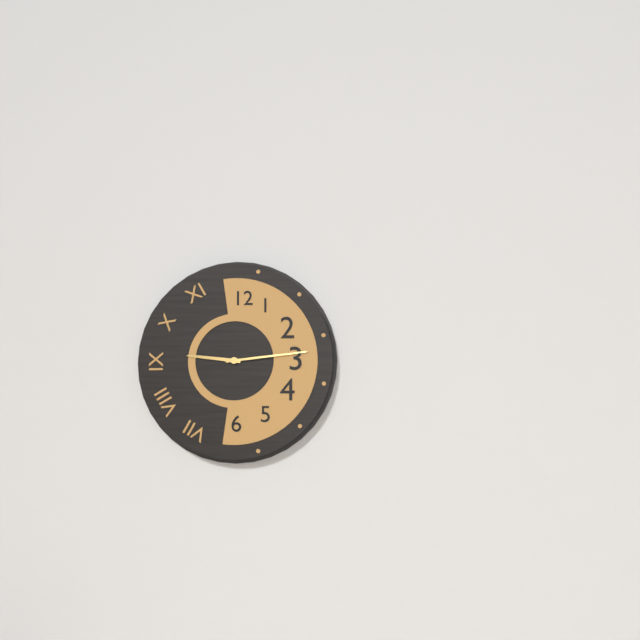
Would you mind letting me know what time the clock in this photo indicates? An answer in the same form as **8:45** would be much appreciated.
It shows **9:14**
